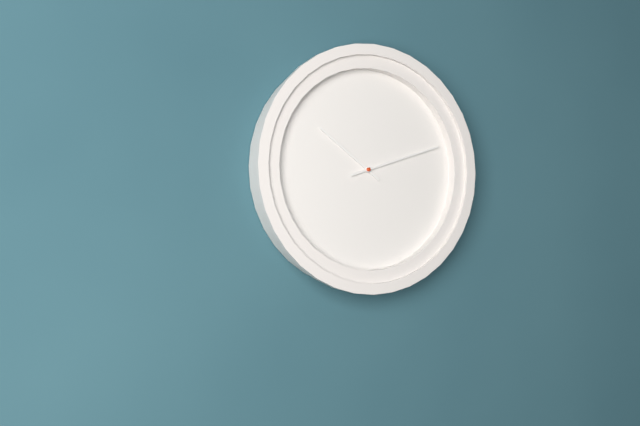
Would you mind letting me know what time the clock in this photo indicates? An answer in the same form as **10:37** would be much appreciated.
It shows **10:12**
